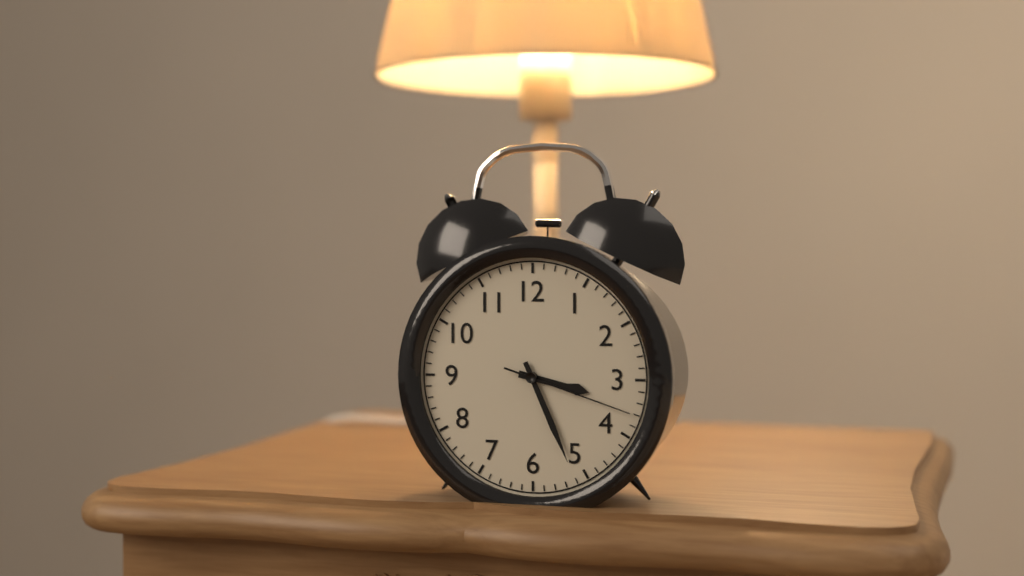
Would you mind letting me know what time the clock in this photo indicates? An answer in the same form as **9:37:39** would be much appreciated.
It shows **3:26:18**
